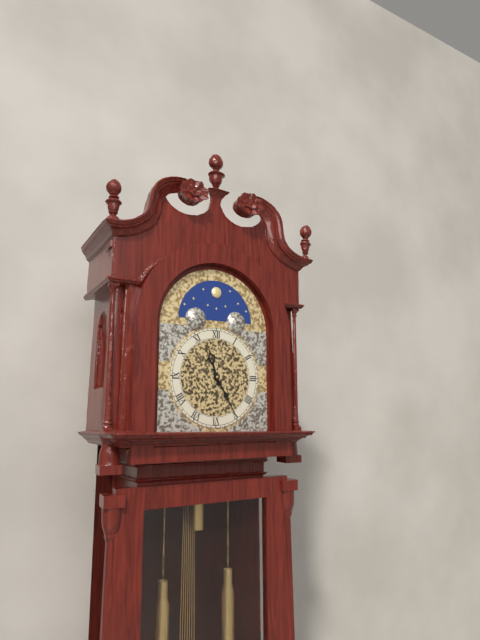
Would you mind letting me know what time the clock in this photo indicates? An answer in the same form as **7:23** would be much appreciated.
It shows **11:25**
